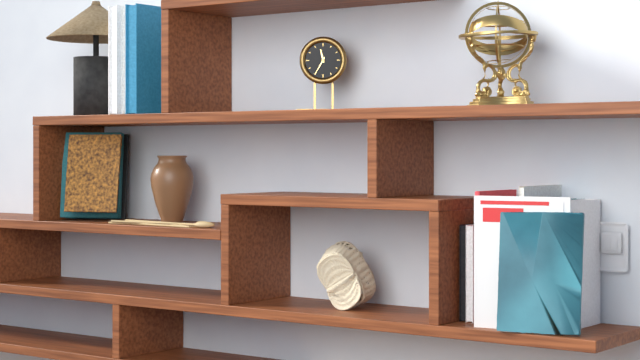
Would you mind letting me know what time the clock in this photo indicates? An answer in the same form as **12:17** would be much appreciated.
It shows **11:35**
